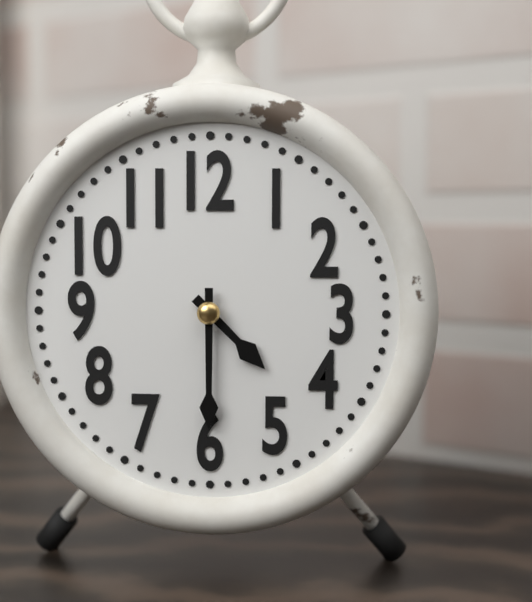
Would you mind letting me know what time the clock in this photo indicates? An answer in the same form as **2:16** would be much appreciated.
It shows **4:30**
